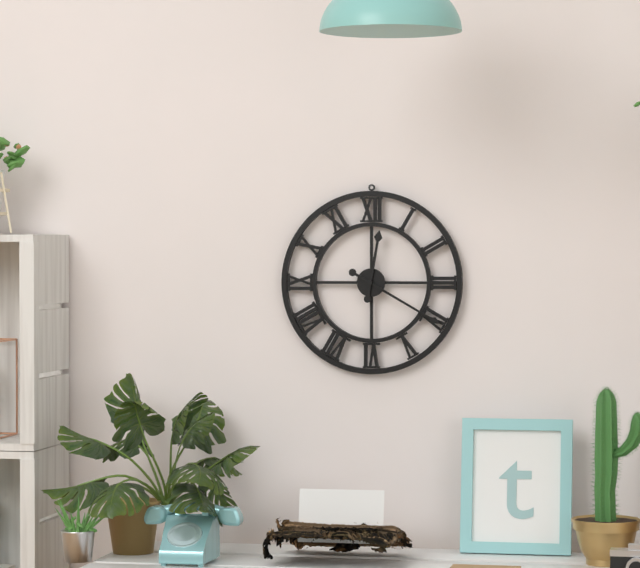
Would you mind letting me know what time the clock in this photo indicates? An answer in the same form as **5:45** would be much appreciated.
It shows **12:20**
